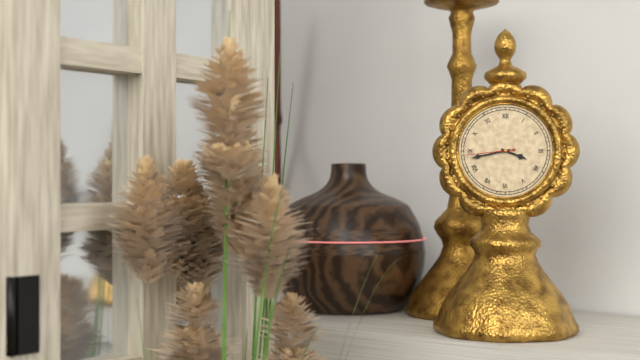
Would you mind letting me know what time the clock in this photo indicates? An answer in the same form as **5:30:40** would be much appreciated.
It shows **3:43:44**
